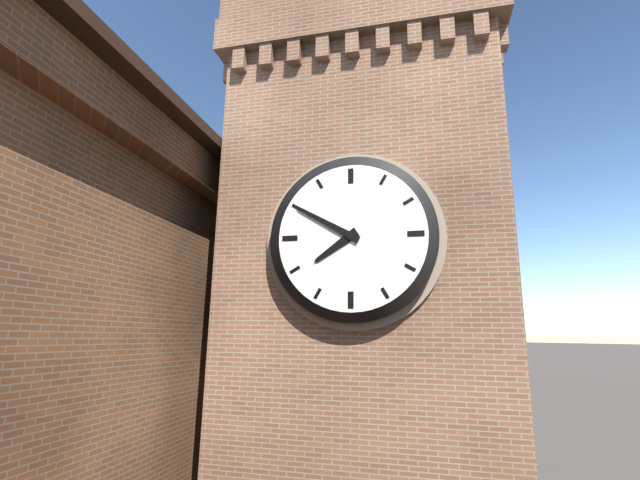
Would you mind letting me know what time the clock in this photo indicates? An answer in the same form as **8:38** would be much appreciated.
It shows **7:50**
